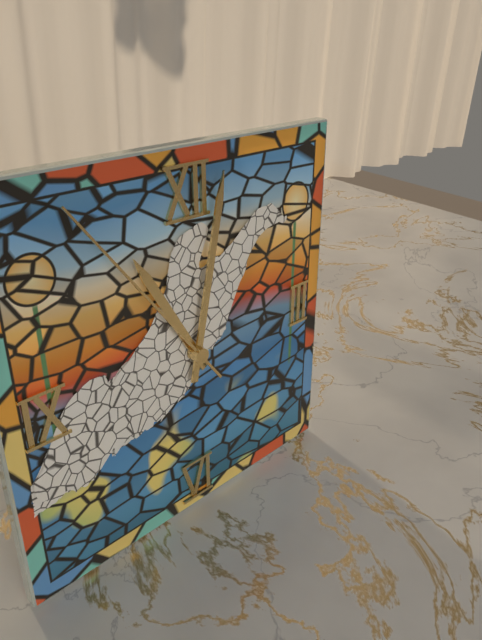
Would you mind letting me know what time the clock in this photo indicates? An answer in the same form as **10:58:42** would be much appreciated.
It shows **11:02:54**
